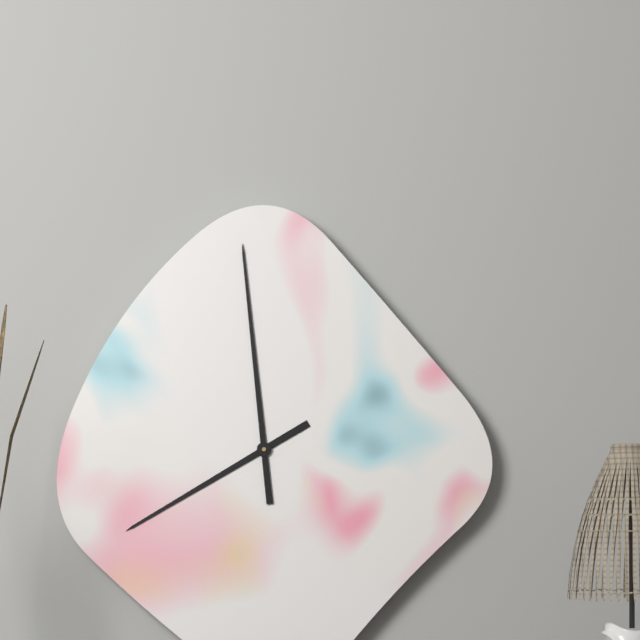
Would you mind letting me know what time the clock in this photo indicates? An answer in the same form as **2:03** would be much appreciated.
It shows **7:59**
